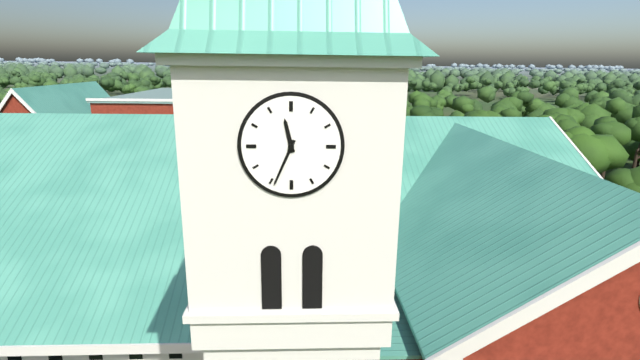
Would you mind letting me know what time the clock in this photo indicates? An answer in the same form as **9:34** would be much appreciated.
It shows **11:34**
